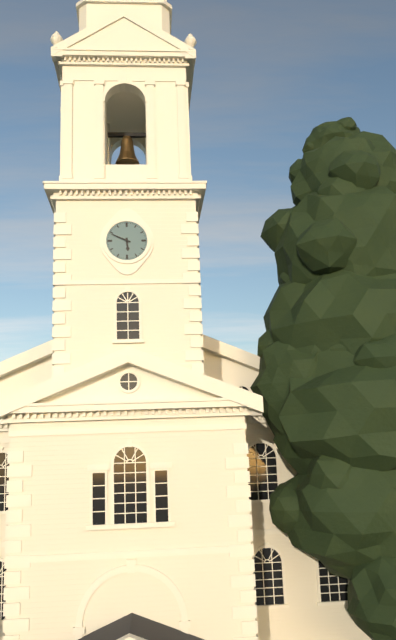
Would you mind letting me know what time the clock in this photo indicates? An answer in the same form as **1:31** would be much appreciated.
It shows **5:49**
